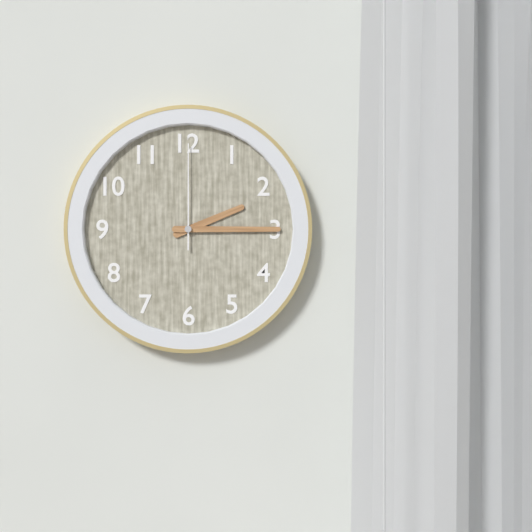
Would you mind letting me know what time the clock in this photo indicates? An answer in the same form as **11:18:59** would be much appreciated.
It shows **2:15:00**
